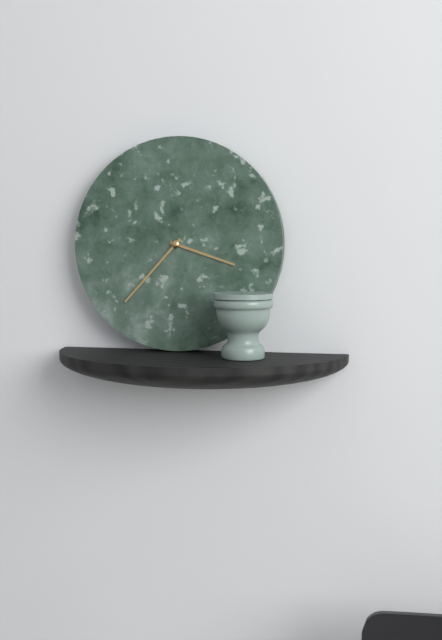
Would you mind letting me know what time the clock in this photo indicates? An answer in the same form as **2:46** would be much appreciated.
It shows **3:37**
